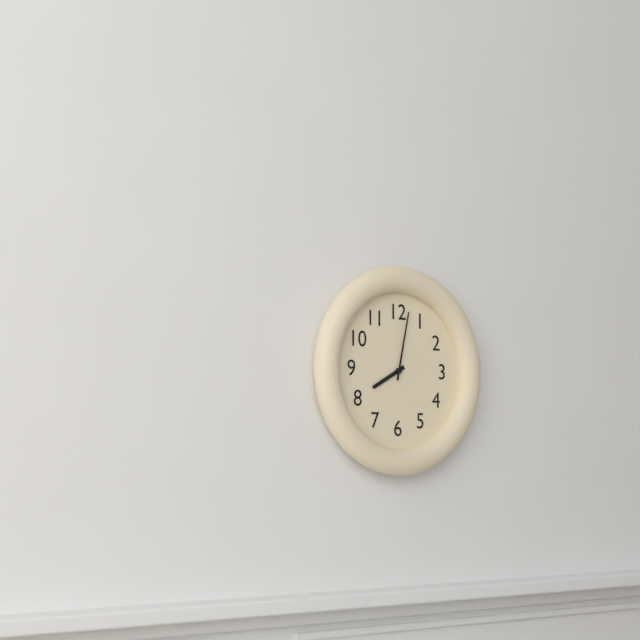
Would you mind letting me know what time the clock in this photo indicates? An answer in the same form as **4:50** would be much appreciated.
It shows **8:02**
